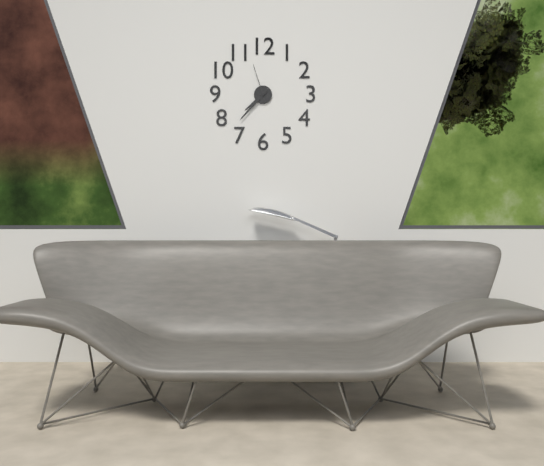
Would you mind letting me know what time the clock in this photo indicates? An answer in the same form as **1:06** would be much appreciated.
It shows **7:37**
